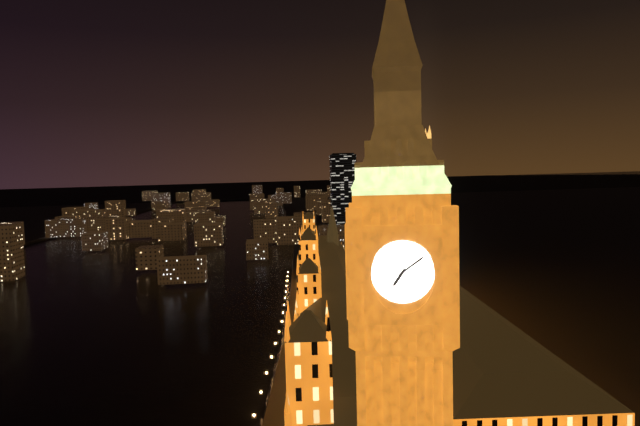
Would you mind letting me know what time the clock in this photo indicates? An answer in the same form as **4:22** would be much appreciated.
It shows **7:09**
